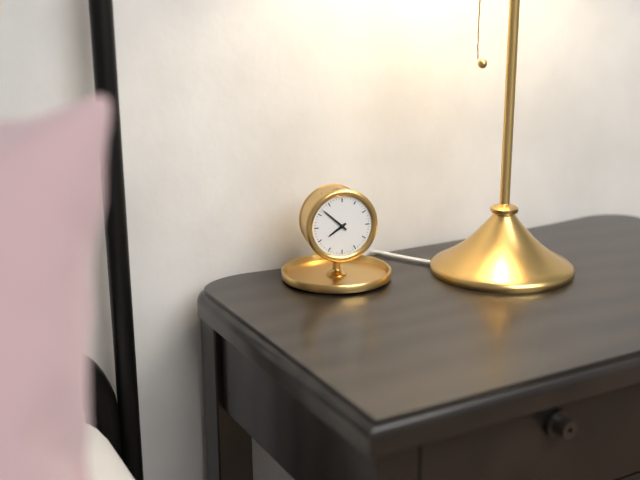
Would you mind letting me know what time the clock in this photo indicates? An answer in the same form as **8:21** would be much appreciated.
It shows **7:52**
